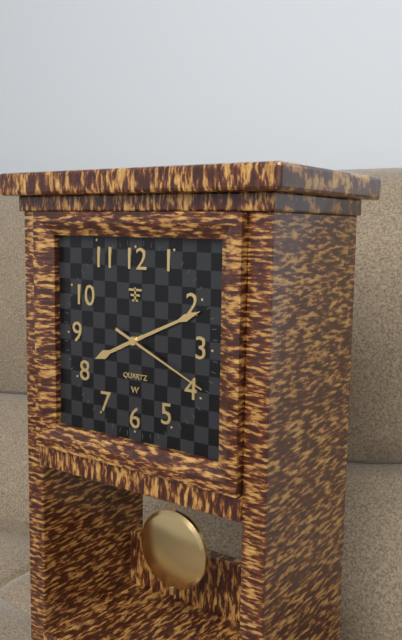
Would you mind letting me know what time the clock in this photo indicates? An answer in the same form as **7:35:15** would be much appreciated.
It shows **8:11:19**
